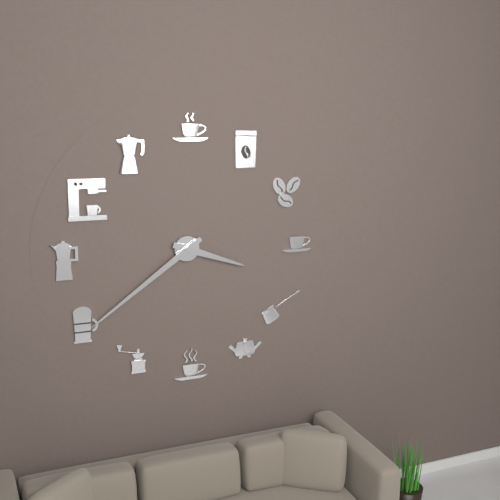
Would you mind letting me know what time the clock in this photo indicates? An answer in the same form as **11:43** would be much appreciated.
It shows **3:39**
